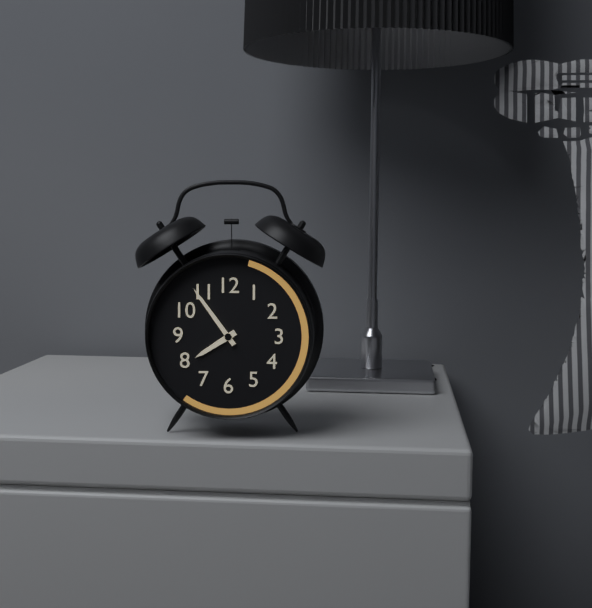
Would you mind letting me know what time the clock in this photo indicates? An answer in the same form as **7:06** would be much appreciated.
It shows **7:54**
